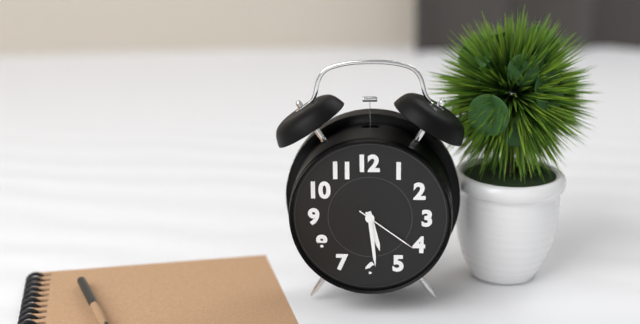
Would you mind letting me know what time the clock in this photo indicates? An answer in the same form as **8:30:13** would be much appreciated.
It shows **5:29:21**
